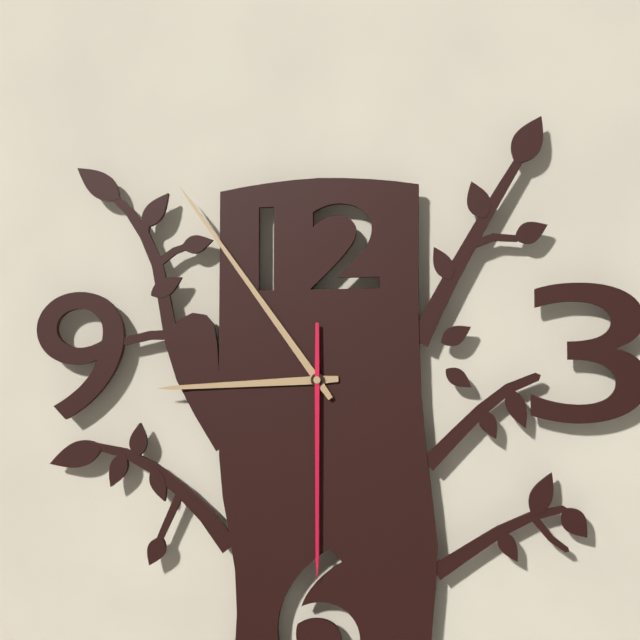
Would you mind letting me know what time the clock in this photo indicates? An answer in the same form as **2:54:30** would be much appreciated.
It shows **8:54:30**
